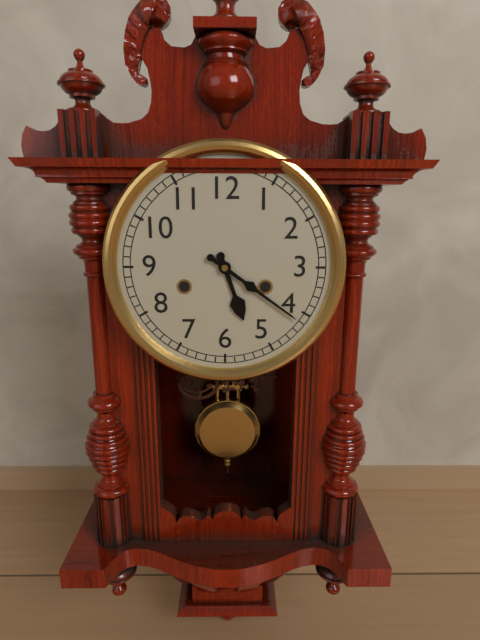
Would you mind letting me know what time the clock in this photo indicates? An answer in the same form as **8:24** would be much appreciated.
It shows **5:21**
